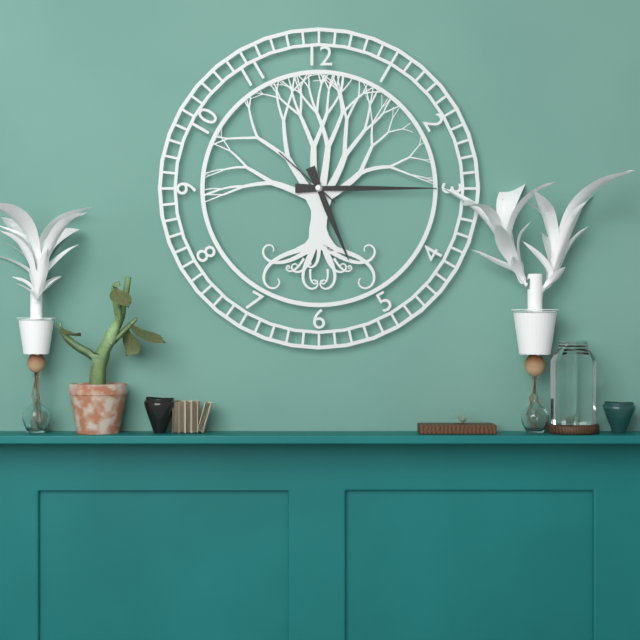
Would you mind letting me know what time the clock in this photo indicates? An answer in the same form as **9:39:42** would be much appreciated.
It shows **5:15:52**
